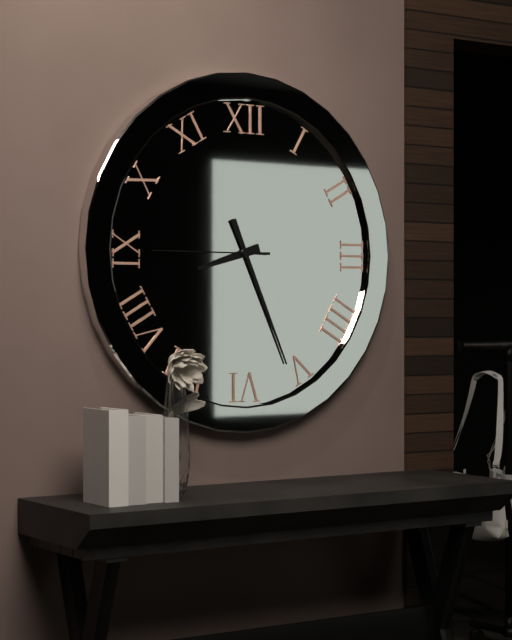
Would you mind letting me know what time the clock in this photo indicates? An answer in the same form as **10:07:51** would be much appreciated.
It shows **8:26:45**
